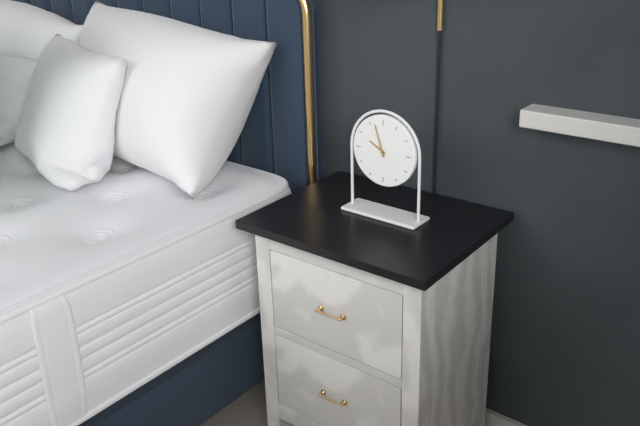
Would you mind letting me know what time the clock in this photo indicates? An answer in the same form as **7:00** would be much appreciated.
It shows **9:57**
